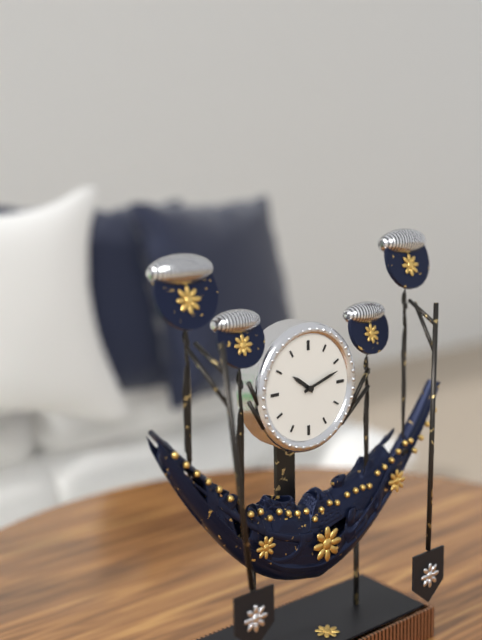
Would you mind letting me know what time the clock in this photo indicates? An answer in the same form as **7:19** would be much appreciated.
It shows **10:12**
